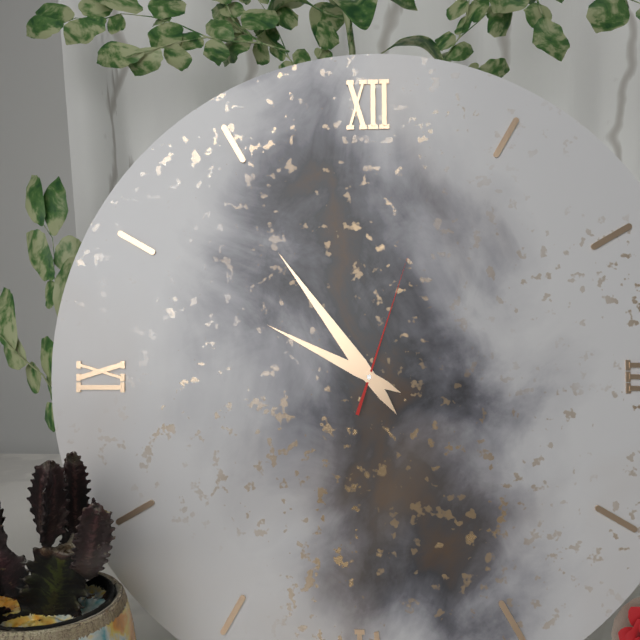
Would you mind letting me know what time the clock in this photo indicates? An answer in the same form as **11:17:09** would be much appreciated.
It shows **9:54:03**
